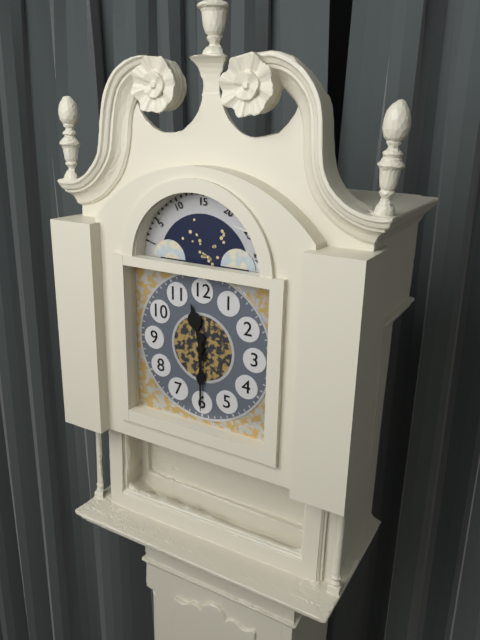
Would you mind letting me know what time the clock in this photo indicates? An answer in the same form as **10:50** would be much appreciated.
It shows **11:30**
